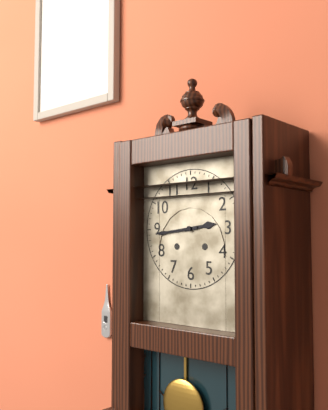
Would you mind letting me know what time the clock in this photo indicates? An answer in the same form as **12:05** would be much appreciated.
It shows **2:44**
